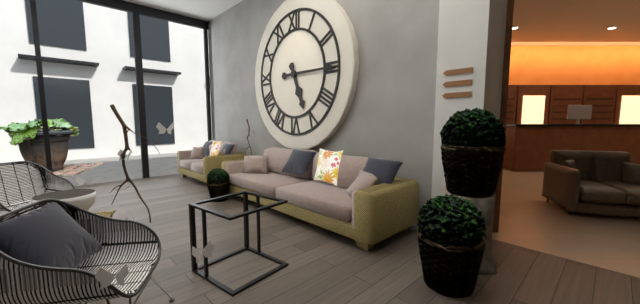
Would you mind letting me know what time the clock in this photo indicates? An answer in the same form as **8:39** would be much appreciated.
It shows **5:15**
